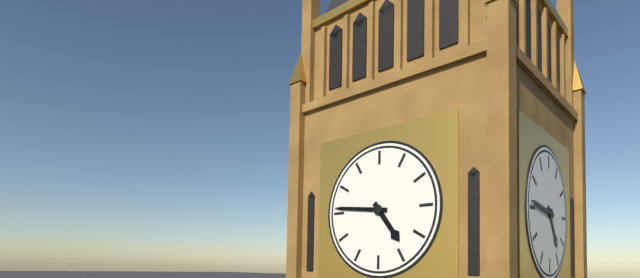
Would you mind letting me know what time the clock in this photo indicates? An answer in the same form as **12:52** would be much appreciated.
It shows **4:46**
